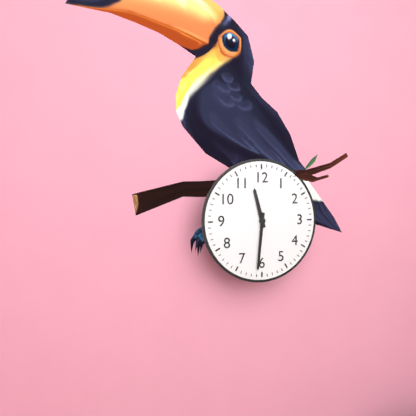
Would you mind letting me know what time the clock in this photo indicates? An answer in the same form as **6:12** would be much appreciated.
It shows **11:31**
